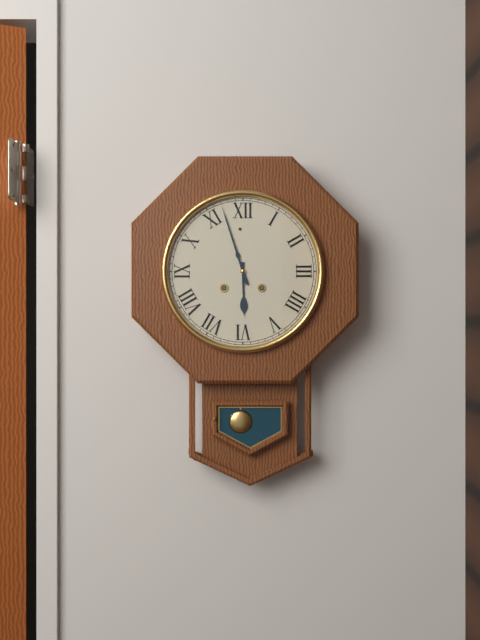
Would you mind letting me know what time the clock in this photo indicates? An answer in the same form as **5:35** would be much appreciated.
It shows **5:57**
